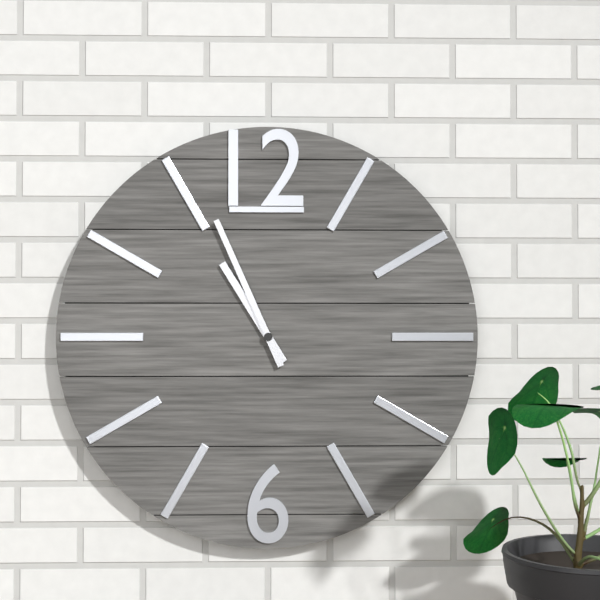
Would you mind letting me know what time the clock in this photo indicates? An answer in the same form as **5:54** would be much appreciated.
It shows **10:56**
